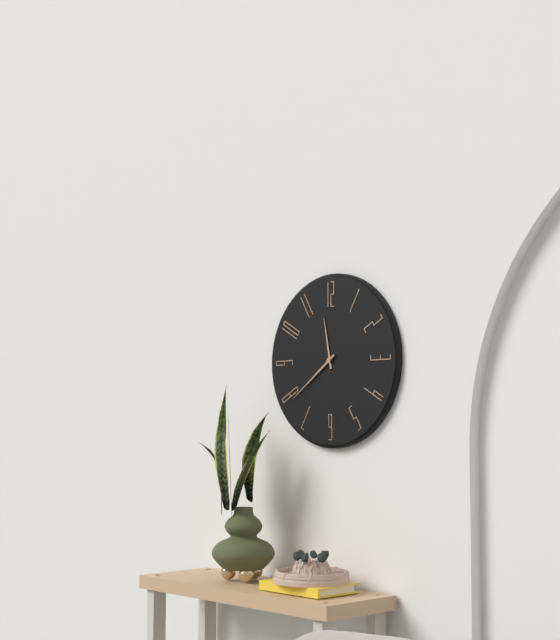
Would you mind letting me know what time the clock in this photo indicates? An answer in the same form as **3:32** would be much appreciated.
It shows **11:39**
